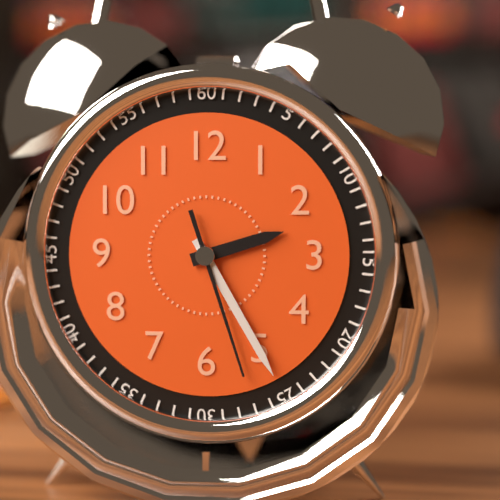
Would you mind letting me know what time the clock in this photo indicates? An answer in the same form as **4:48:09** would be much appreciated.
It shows **2:25:27**
